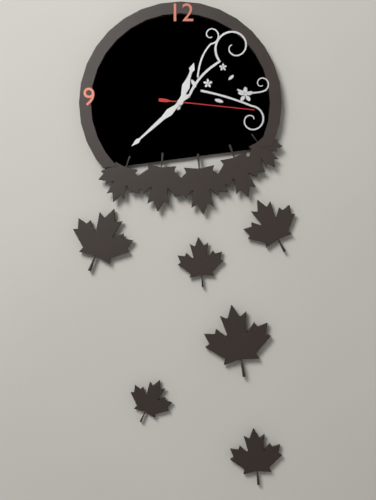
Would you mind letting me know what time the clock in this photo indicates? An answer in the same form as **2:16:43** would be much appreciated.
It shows **12:38:16**
